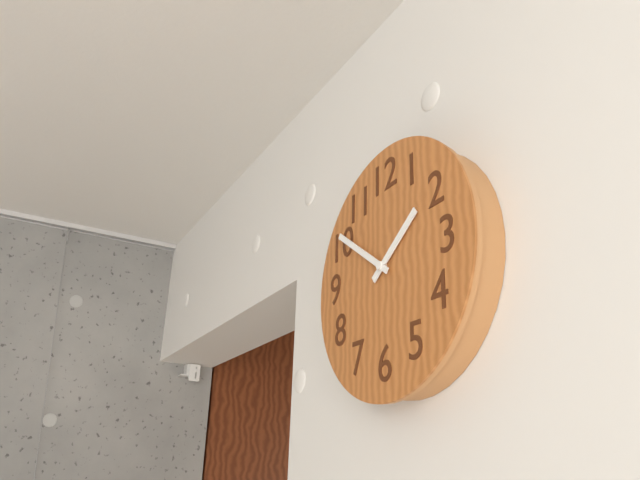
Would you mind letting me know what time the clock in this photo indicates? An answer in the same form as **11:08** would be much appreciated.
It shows **1:51**
